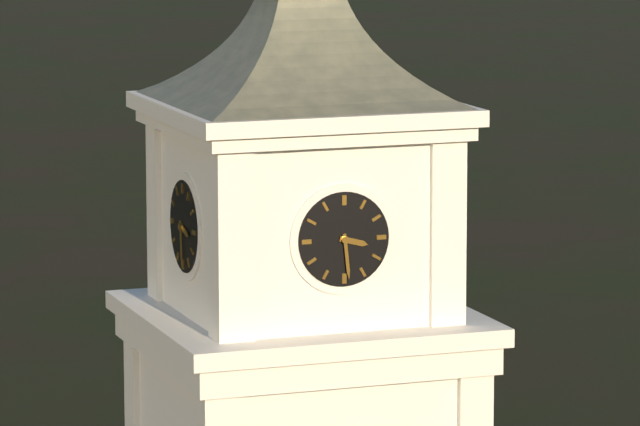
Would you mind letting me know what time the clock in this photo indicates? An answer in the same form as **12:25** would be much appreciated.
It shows **3:29**
